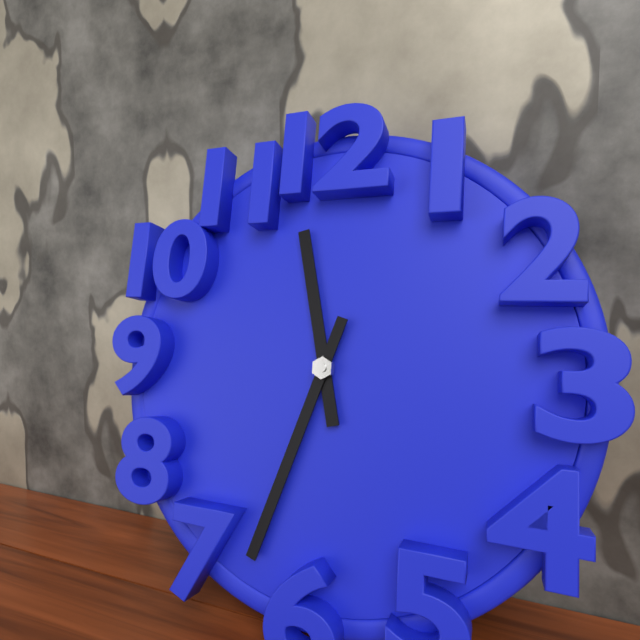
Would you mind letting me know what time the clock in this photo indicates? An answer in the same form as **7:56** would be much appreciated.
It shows **11:33**
